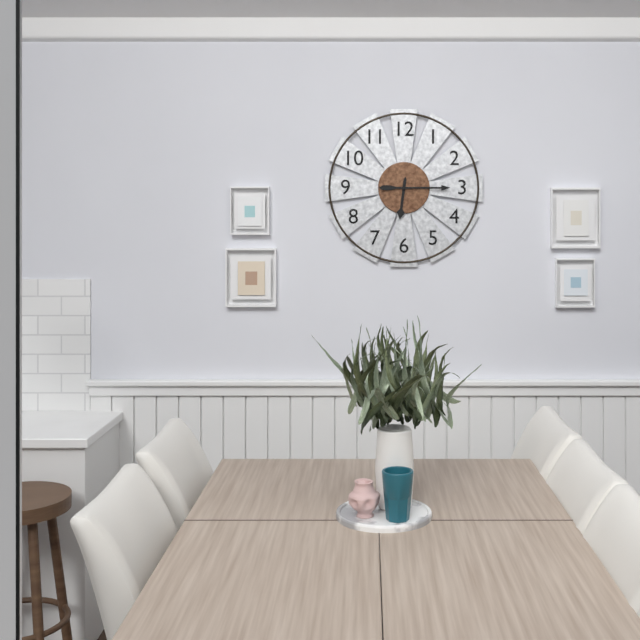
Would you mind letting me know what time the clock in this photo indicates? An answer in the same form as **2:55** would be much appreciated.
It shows **6:15**
